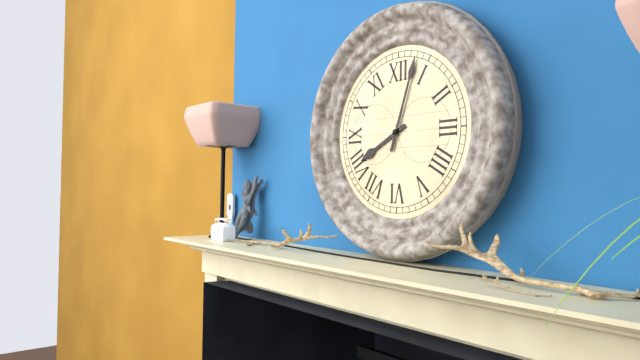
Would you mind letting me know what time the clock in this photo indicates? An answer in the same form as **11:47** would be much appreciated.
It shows **8:03**
